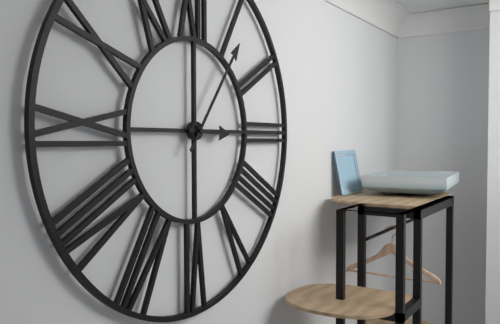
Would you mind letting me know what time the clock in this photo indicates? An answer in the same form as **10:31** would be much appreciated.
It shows **3:06**
